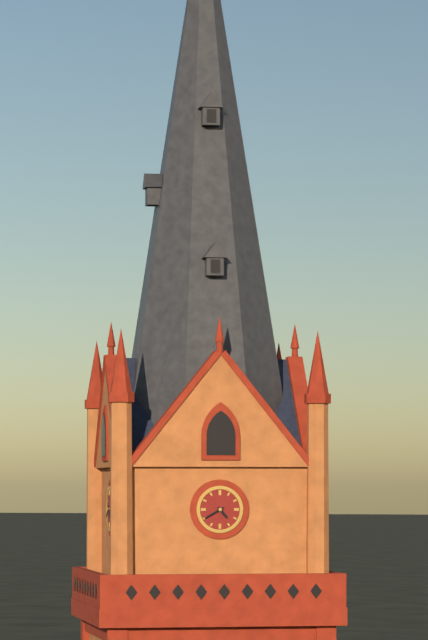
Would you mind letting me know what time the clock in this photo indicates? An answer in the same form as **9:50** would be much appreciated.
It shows **4:40**
